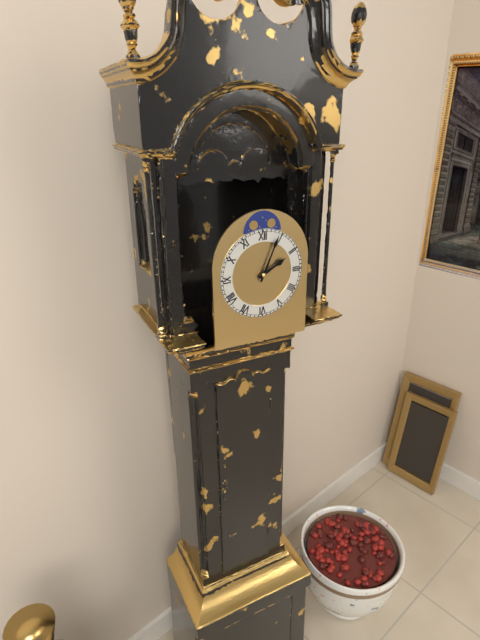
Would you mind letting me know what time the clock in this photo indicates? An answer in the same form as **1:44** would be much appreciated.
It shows **2:04**
